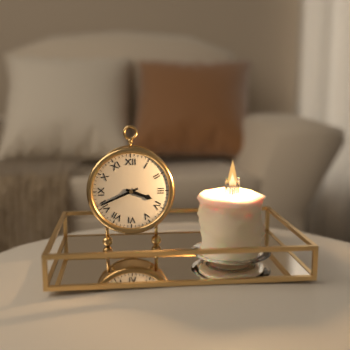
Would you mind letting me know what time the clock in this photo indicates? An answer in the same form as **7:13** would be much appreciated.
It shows **3:41**
